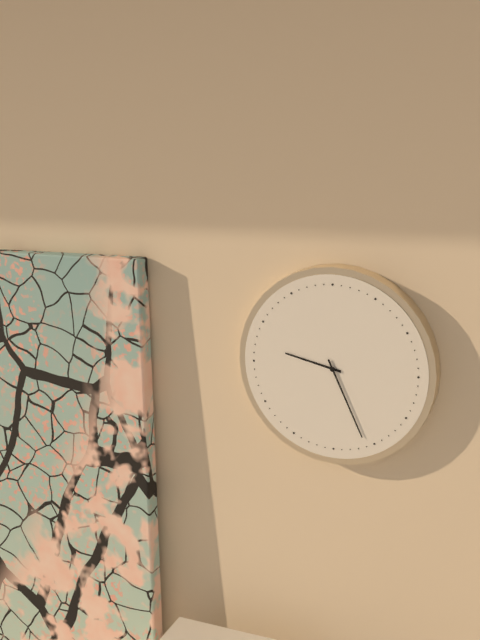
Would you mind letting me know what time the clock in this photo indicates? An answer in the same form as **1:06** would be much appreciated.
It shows **9:26**
